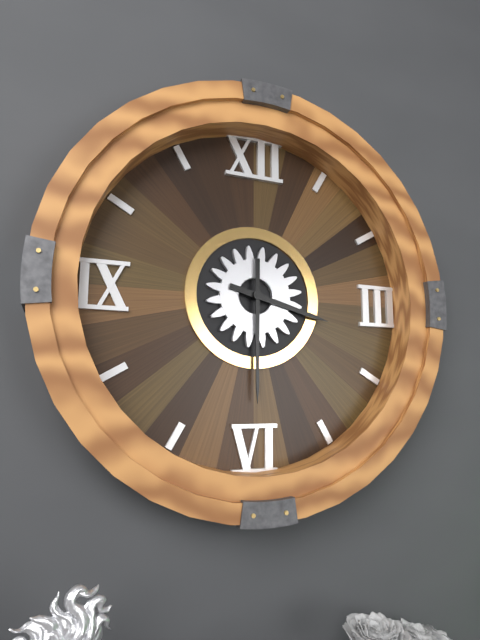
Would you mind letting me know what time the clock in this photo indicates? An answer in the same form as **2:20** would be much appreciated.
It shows **3:30**
